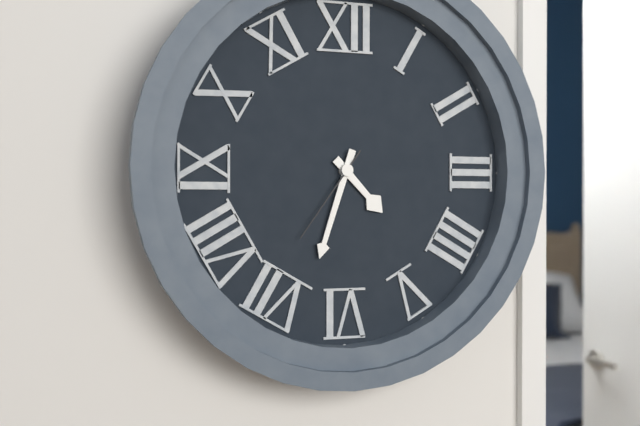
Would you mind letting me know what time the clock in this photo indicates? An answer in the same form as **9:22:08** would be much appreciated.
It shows **4:33:36**
